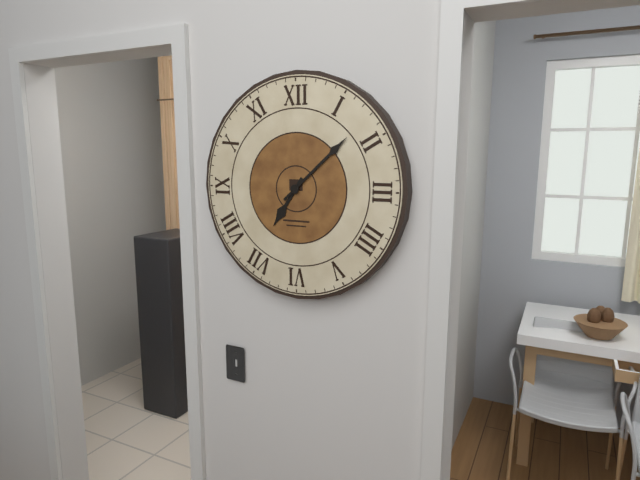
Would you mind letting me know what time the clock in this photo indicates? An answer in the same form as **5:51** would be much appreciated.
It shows **7:08**
